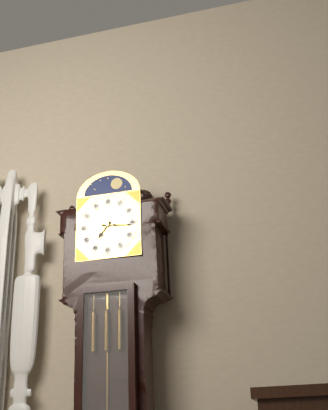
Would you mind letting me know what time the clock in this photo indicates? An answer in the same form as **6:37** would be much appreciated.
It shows **7:16**
